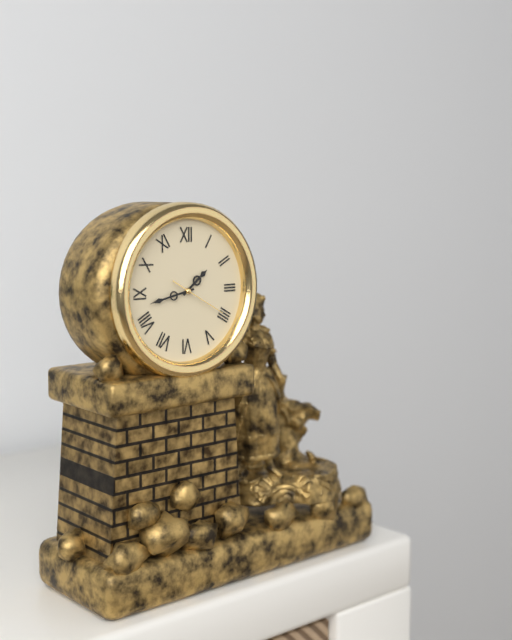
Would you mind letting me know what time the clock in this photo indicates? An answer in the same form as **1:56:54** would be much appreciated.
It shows **1:43:20**
